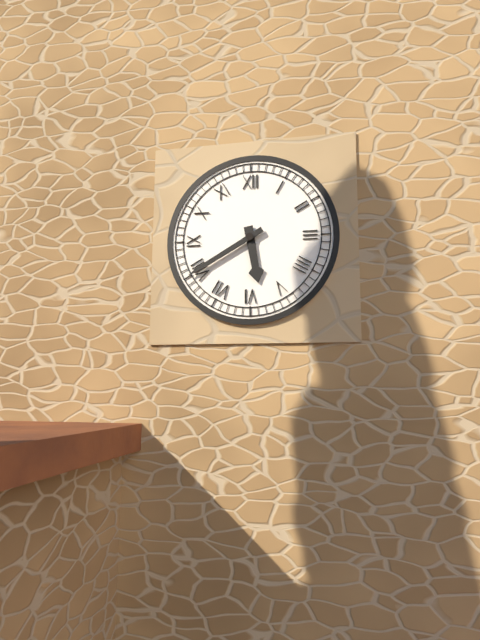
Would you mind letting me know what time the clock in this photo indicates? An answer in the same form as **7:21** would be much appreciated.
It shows **5:40**
